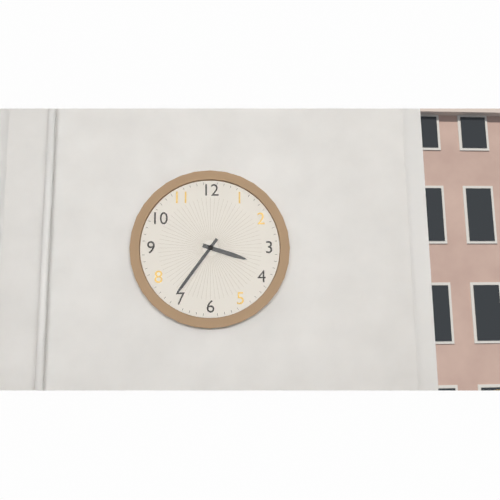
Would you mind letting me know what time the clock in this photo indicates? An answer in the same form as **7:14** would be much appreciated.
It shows **3:36**
